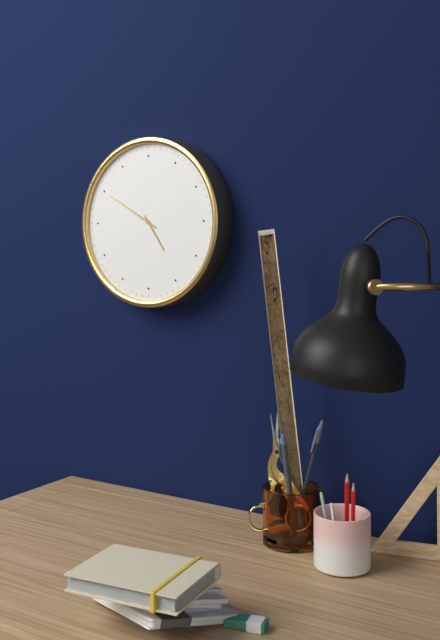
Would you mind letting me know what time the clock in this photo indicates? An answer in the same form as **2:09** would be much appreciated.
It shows **4:50**
